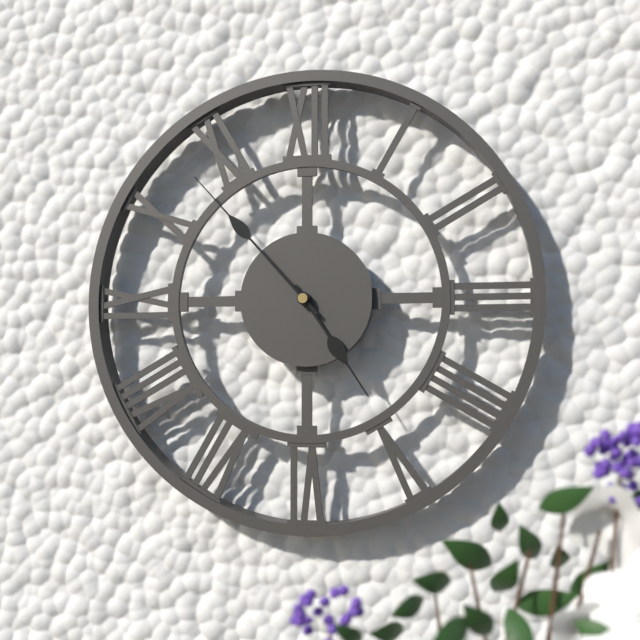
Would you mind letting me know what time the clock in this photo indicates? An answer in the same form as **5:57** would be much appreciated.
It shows **4:53**
